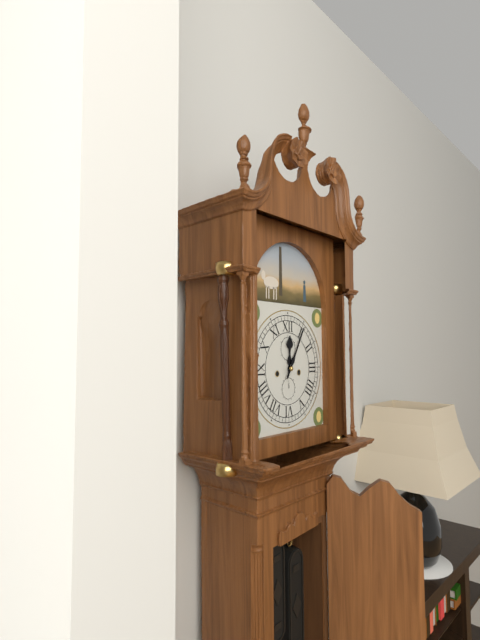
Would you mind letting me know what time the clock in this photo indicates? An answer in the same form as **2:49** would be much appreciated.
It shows **12:05**
